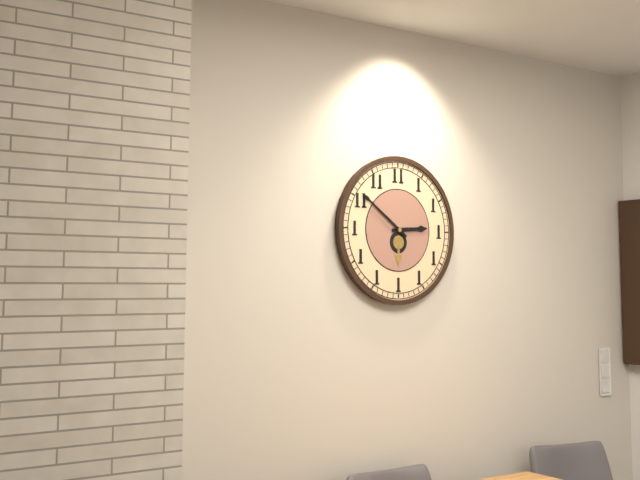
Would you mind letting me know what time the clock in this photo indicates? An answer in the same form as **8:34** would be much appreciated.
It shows **2:51**
